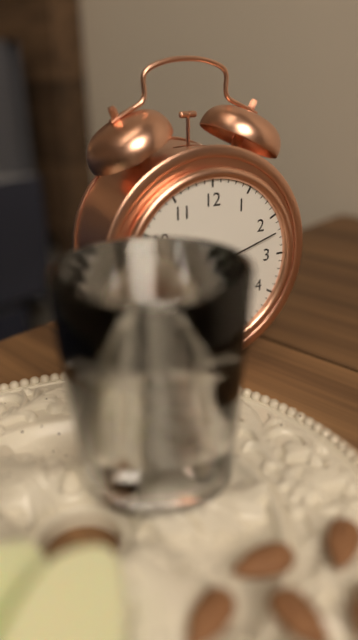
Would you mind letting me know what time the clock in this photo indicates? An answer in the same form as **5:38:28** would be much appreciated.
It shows **9:34:12**
